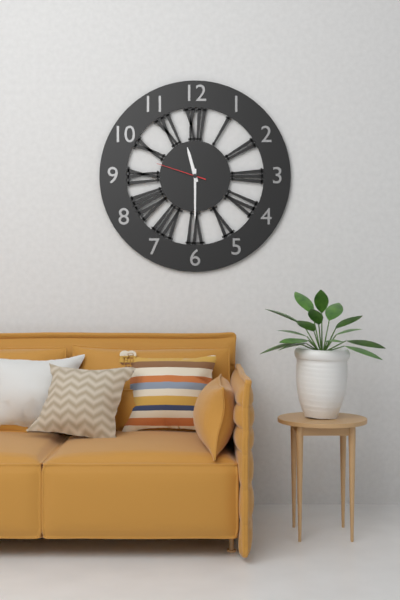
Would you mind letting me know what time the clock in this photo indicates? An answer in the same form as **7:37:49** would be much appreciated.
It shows **11:30:48**
